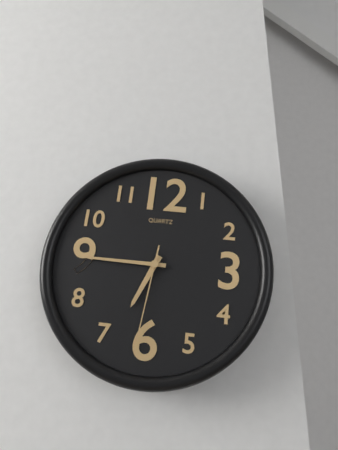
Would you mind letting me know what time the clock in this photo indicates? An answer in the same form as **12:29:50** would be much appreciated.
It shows **6:45:31**
